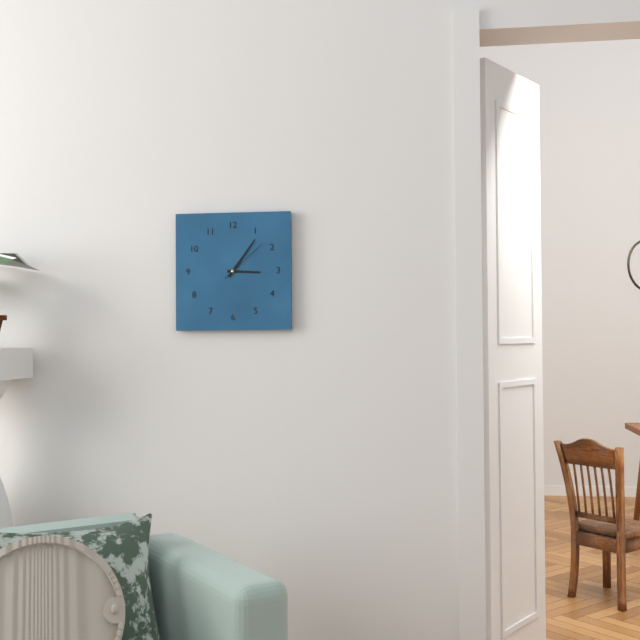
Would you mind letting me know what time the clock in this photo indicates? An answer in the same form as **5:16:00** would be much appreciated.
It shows **3:06:08**
